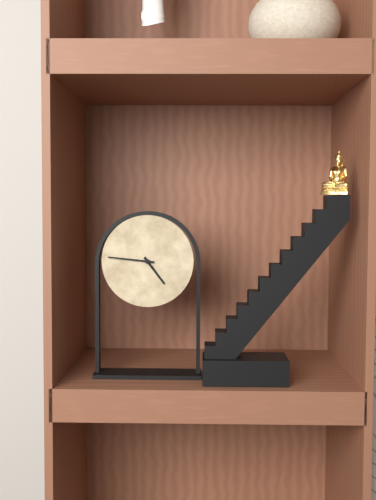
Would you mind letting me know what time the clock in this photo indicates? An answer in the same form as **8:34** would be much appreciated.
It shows **4:46**
